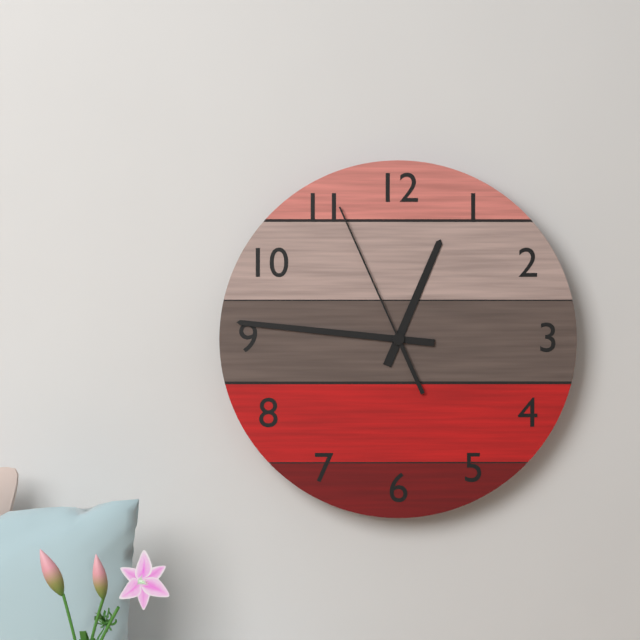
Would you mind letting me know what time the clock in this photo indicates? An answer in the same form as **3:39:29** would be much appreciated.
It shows **12:46:56**
